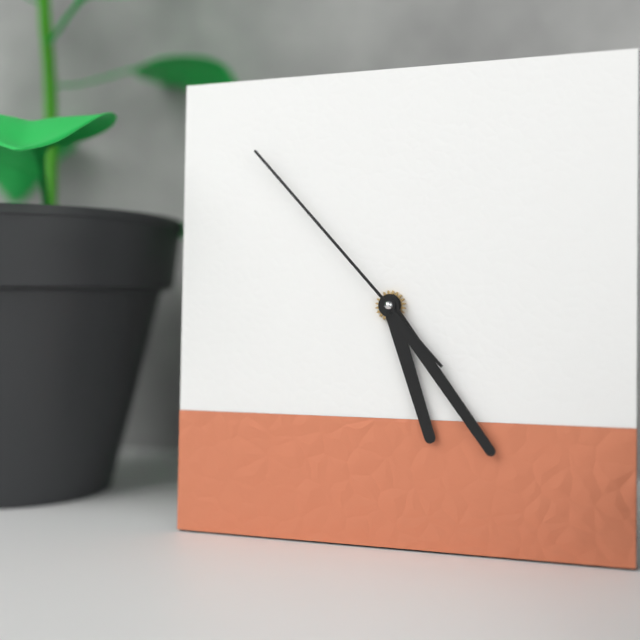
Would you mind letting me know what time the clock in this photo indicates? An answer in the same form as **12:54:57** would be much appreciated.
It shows **5:24:53**
